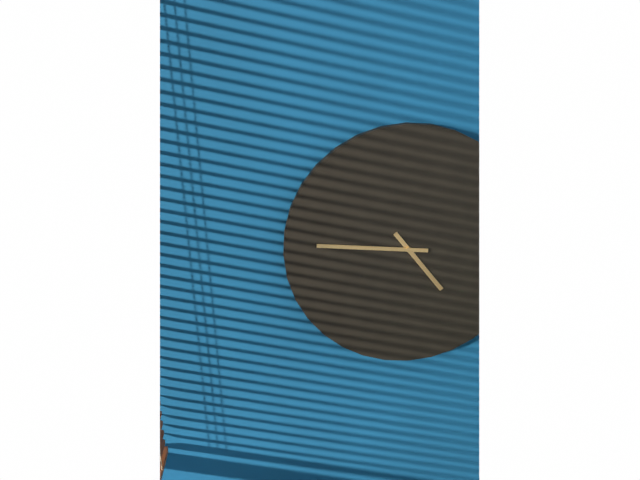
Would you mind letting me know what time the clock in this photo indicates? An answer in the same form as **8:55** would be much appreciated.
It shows **4:46**
